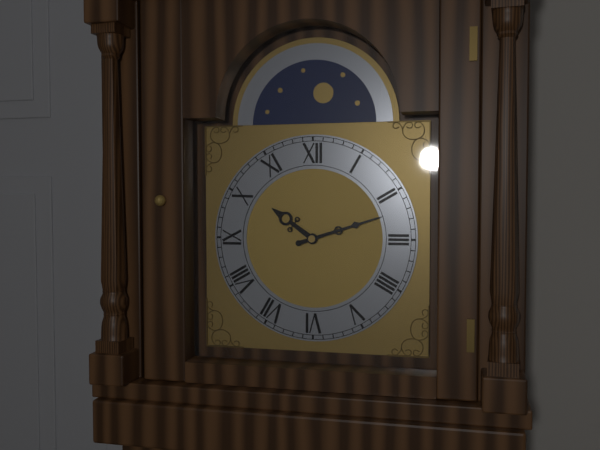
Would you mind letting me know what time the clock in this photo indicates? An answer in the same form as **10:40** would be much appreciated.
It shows **10:12**
